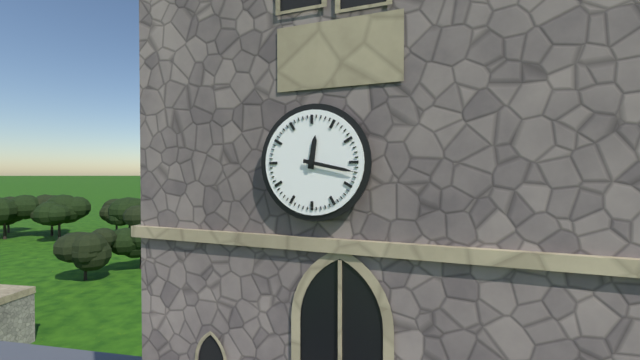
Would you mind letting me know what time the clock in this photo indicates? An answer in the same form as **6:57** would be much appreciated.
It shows **12:17**
